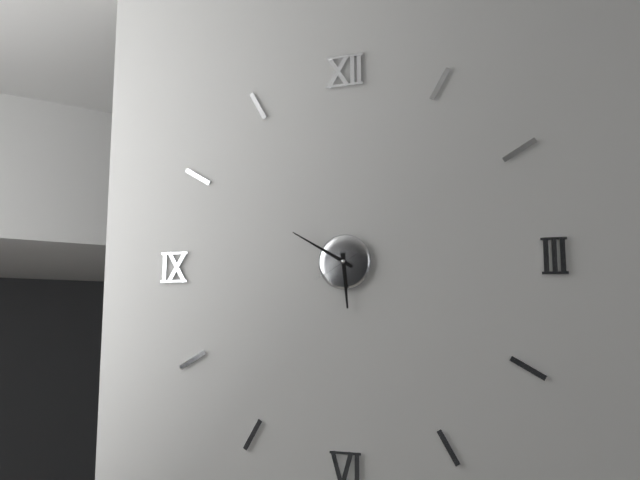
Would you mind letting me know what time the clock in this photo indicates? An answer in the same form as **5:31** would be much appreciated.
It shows **5:50**
